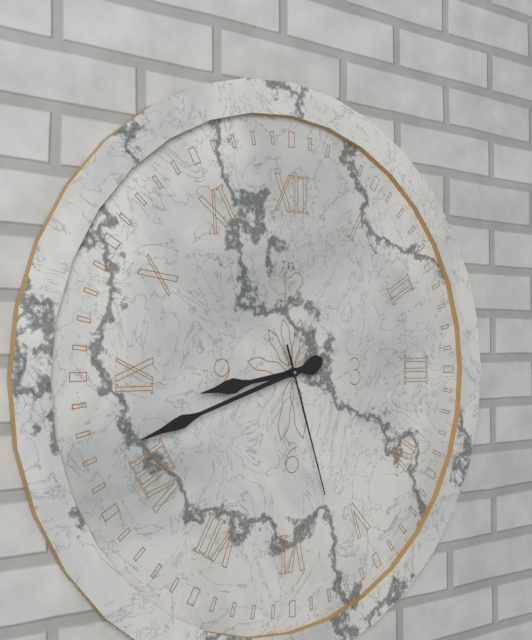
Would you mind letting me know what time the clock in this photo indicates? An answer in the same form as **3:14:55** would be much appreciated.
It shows **8:42:27**
